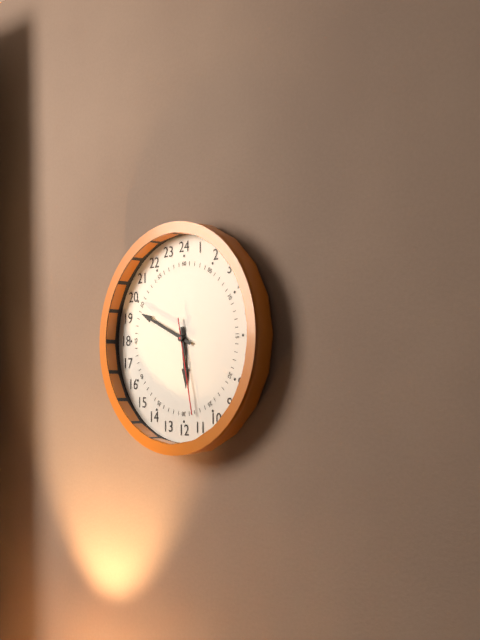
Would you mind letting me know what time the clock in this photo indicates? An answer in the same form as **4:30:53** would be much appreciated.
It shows **5:49:28**
